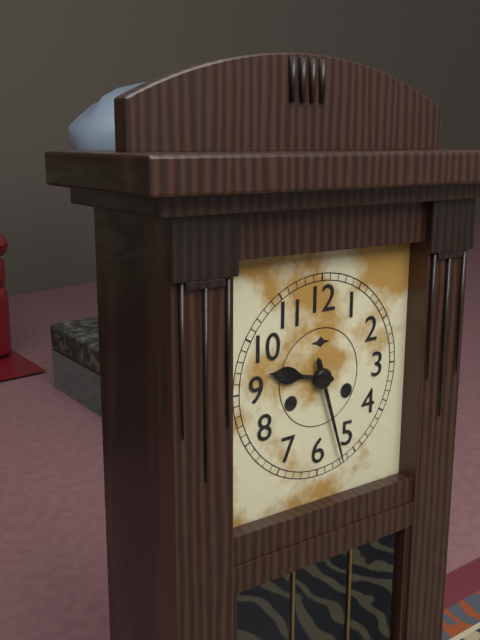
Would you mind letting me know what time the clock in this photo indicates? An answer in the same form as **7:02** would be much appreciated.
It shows **9:27**
